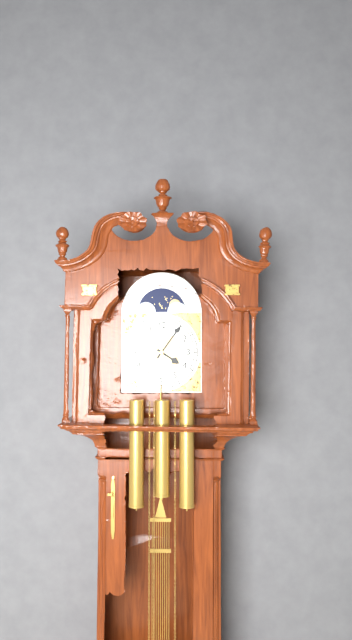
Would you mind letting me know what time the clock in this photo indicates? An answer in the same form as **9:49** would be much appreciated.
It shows **4:06**
